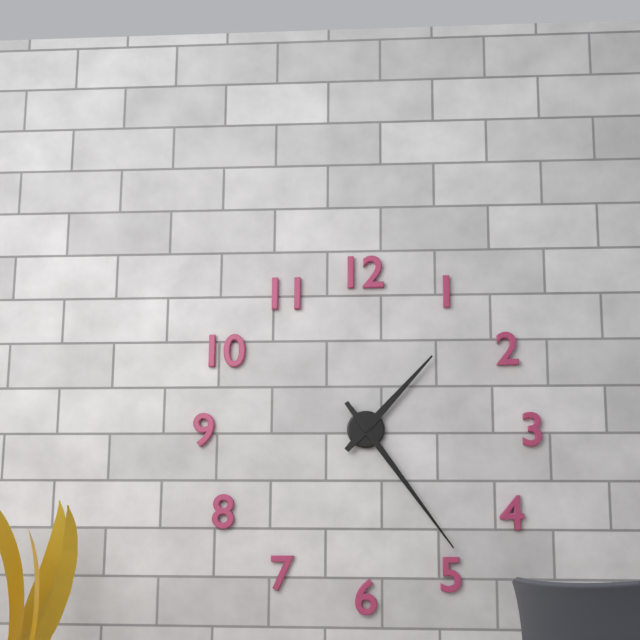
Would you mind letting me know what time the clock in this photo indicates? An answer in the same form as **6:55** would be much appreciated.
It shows **1:24**
